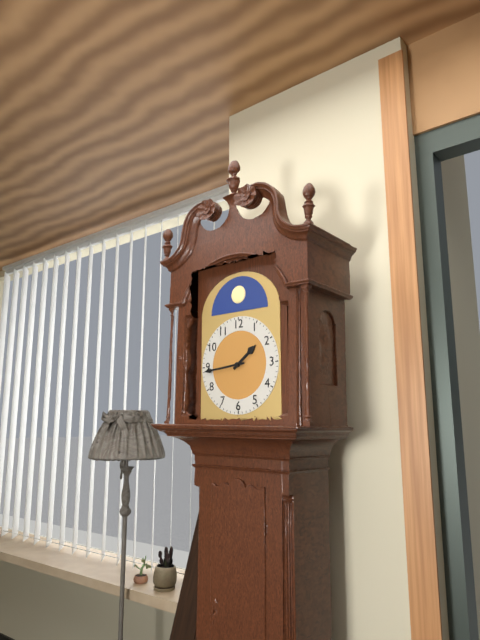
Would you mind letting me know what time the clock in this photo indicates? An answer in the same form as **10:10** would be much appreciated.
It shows **1:44**
